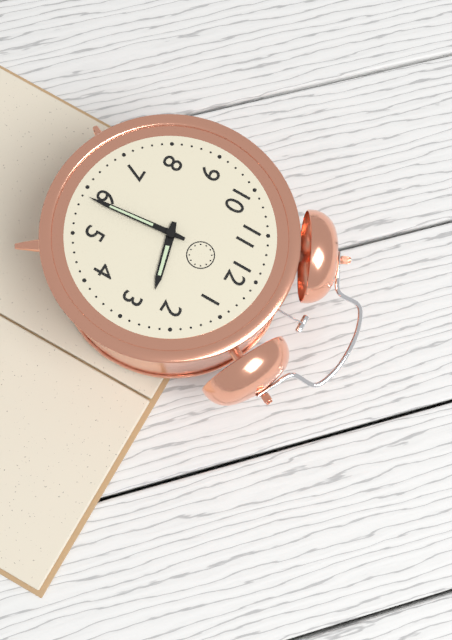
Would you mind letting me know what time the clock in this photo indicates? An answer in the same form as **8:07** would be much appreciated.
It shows **2:29**
